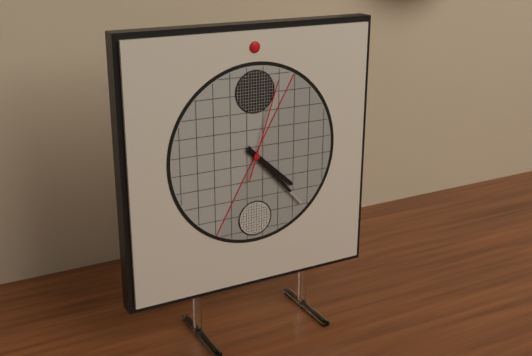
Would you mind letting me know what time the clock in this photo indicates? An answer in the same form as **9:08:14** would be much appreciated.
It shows **4:23:03**
